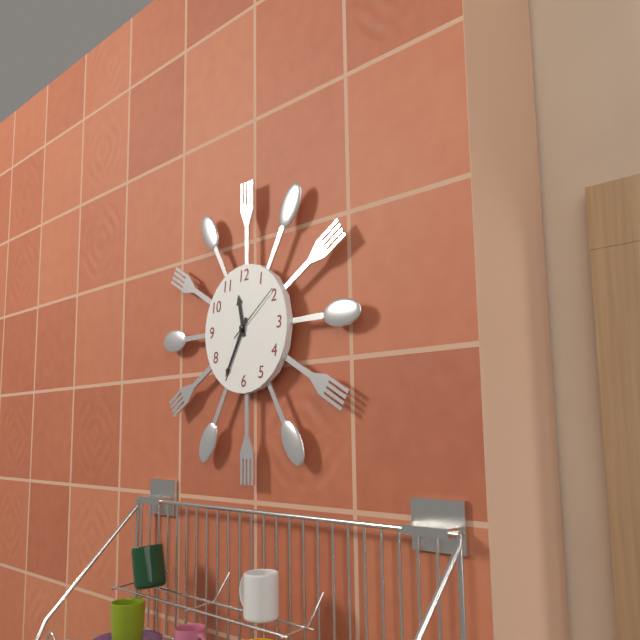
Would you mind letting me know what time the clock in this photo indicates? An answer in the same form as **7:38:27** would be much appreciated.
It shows **11:35:09**
